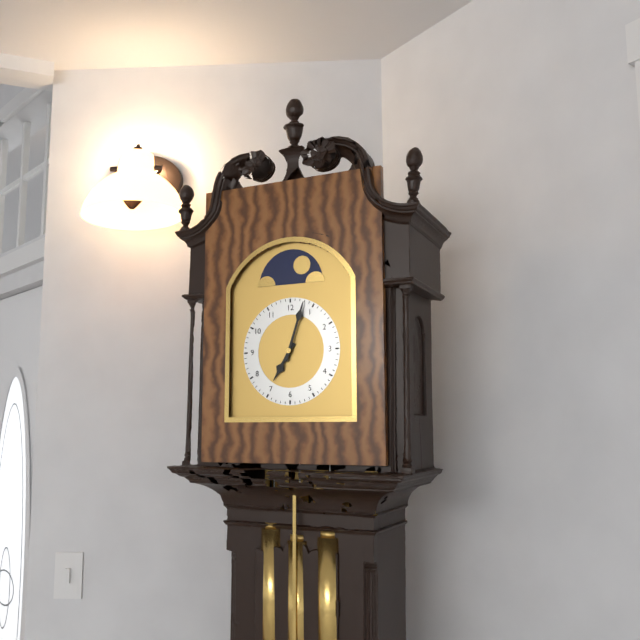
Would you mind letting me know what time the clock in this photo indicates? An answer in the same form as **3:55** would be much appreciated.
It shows **7:03**
